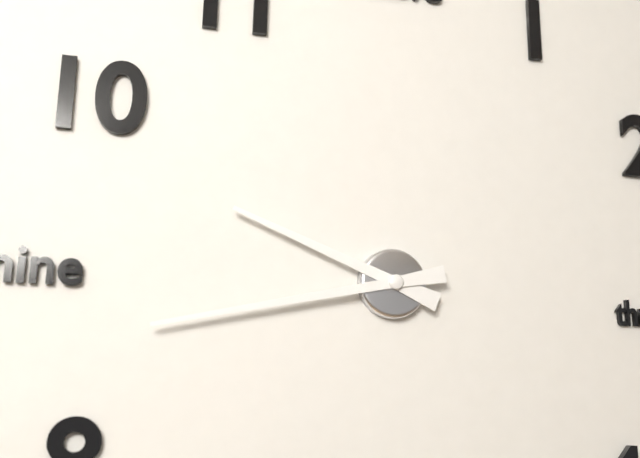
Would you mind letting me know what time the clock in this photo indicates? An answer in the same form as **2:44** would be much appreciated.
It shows **9:43**
